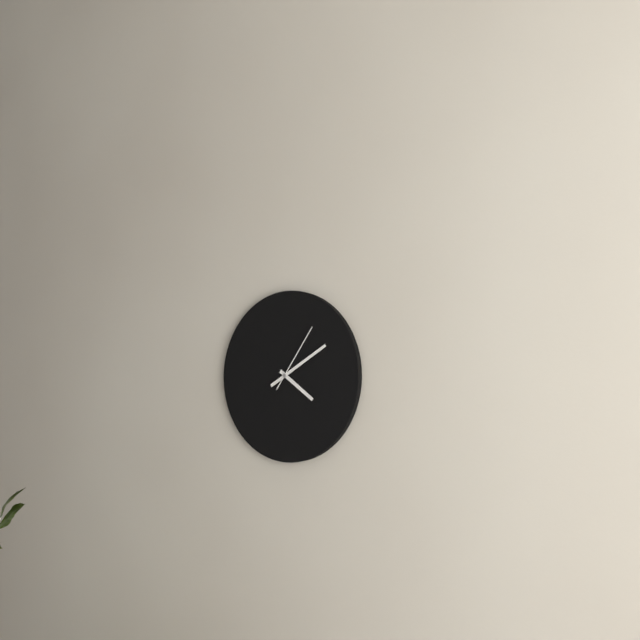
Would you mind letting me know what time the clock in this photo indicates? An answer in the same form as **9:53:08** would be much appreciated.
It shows **4:10:06**
